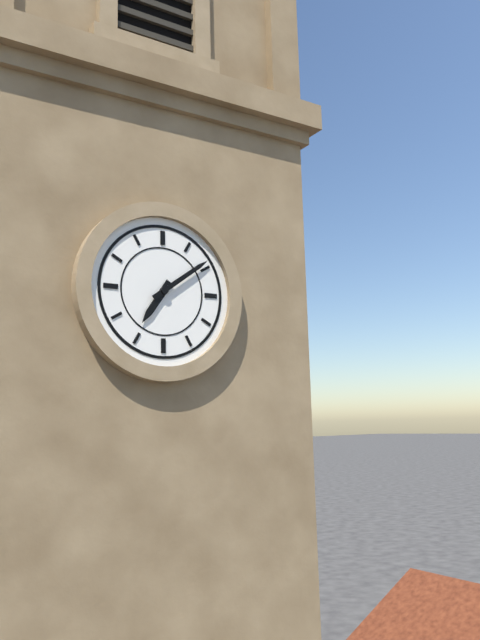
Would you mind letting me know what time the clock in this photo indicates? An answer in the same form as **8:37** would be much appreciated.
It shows **7:09**
